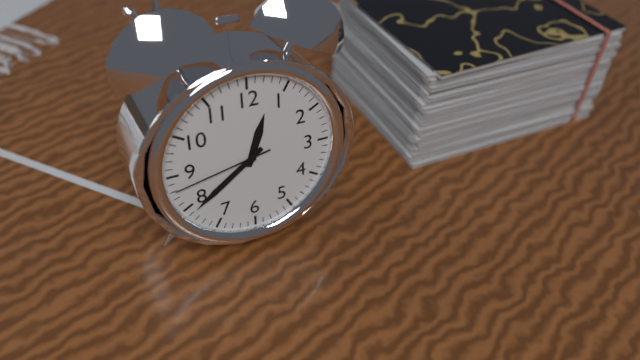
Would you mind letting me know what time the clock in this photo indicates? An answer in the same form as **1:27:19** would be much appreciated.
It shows **12:39:43**
